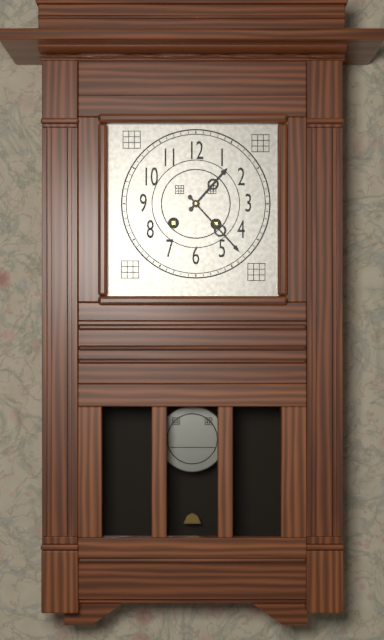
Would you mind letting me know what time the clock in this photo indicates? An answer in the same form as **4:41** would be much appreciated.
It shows **1:23**
